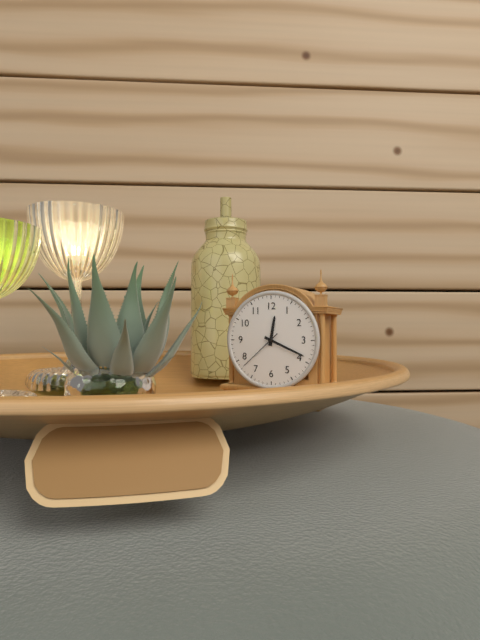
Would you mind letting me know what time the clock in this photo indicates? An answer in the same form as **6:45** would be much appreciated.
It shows **12:19**
